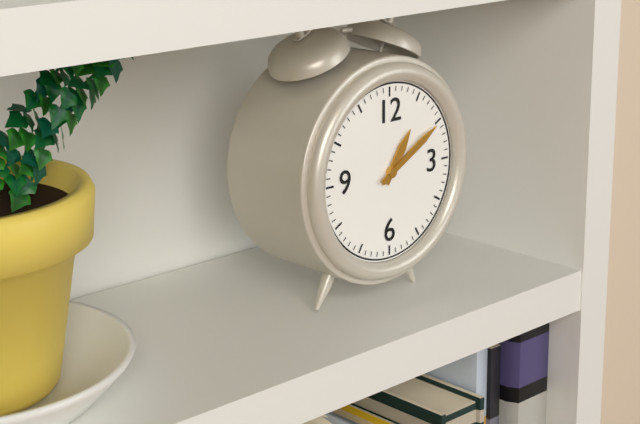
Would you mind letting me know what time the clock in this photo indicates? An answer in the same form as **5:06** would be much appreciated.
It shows **1:10**
